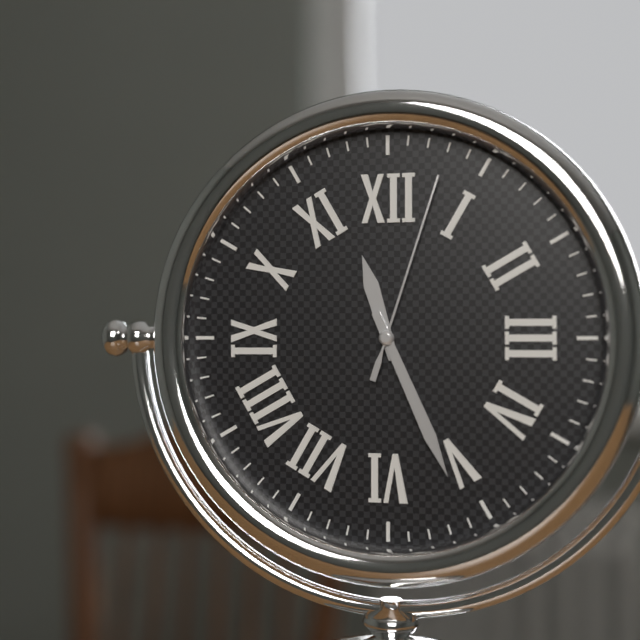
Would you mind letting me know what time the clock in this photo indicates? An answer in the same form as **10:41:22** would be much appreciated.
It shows **11:26:03**
